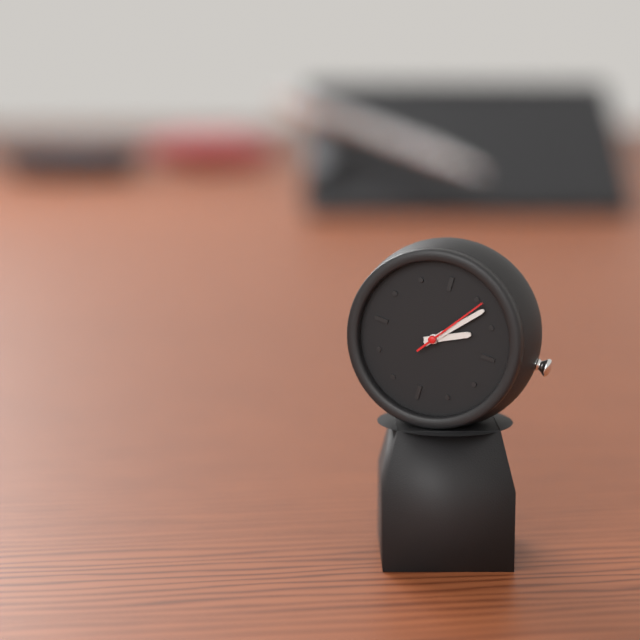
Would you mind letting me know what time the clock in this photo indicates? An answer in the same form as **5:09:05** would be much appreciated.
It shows **2:07:06**
